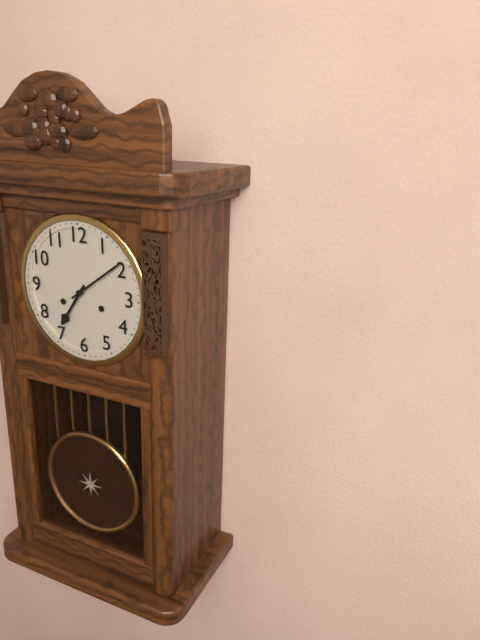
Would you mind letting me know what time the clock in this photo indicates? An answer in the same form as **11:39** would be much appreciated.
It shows **7:09**
